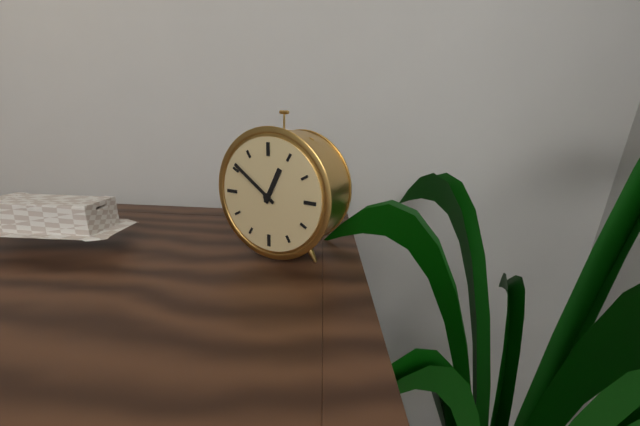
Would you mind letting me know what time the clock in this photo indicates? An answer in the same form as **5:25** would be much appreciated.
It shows **12:51**
